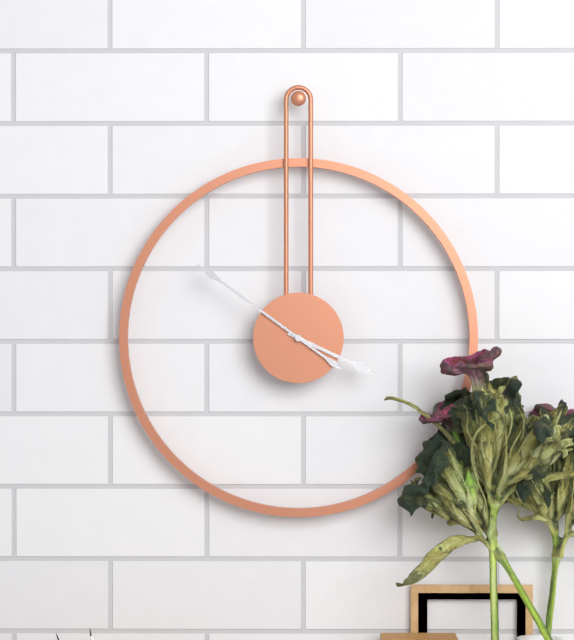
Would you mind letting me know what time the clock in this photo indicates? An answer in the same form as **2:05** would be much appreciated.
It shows **3:51**
